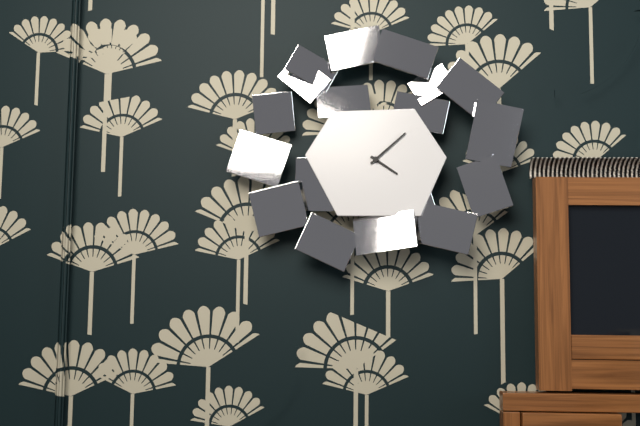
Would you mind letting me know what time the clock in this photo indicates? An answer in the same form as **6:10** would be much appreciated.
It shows **4:08**
